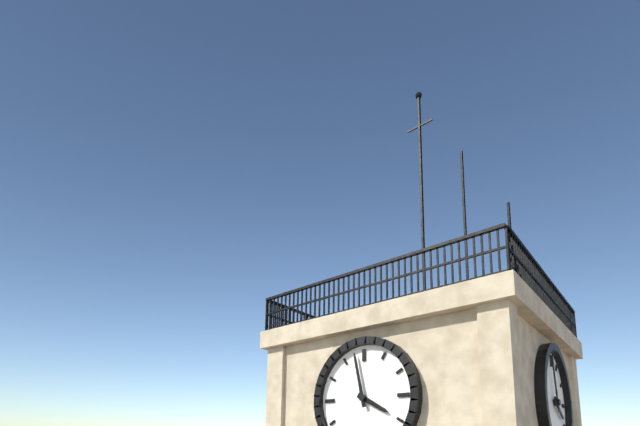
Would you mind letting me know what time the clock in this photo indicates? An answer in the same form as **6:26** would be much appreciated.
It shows **3:58**
